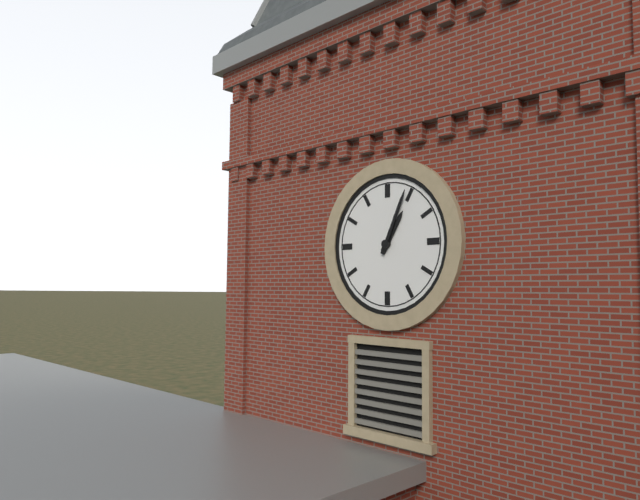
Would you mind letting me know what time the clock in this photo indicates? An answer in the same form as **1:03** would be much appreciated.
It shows **1:04**
